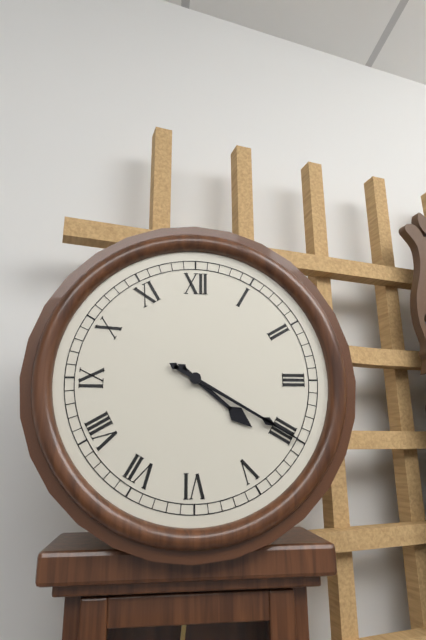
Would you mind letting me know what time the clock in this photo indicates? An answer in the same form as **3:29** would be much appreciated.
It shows **4:20**
